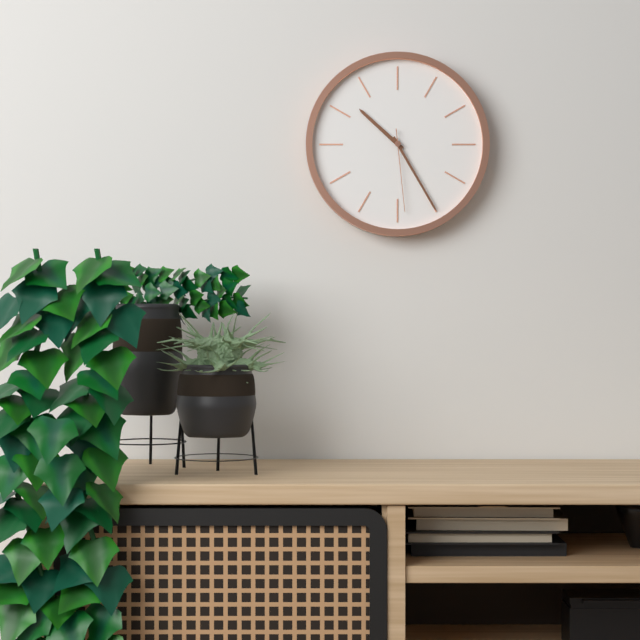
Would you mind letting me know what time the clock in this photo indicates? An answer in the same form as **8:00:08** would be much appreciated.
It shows **10:25:29**
